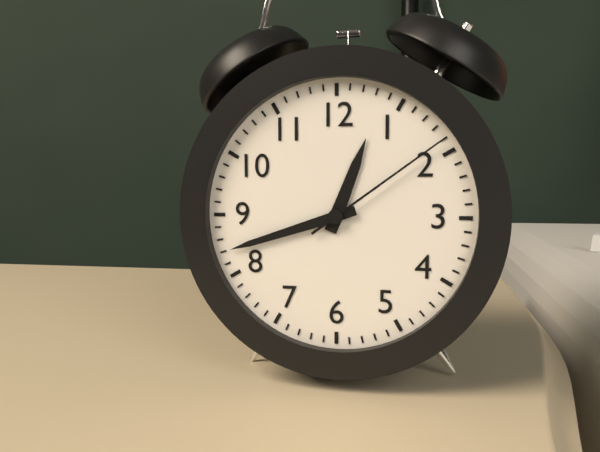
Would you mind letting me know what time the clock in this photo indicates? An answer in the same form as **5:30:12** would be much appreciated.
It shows **12:42:09**
